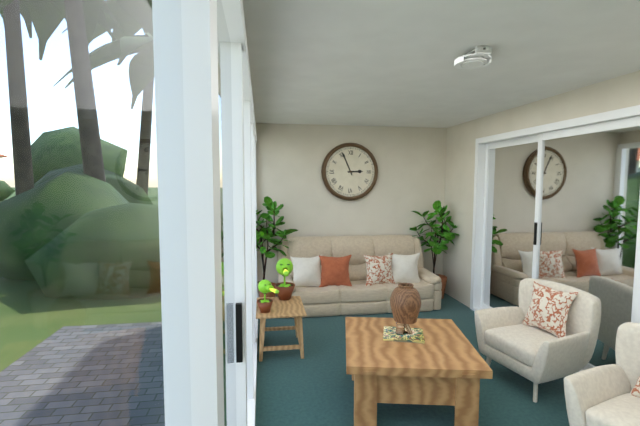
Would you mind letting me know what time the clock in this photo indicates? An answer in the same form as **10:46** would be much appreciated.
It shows **2:56**
